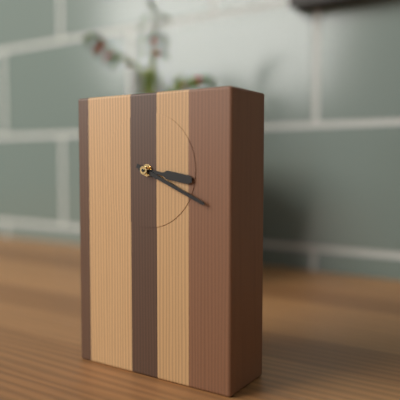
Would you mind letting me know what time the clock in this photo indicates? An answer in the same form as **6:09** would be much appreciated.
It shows **3:19**
